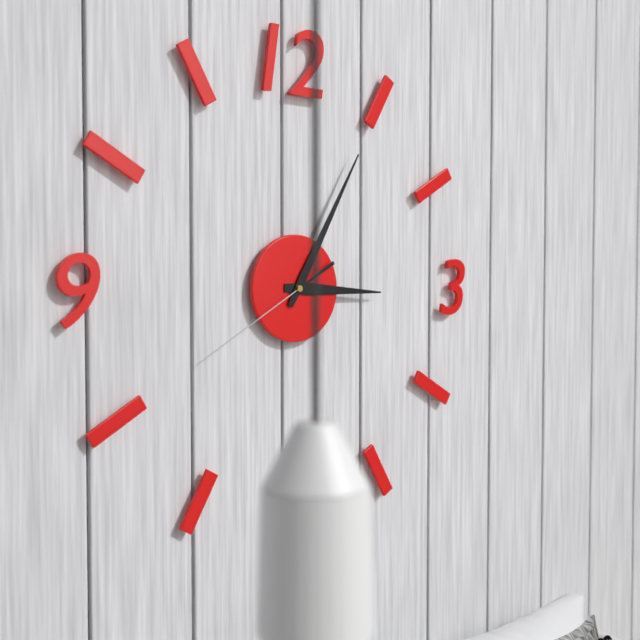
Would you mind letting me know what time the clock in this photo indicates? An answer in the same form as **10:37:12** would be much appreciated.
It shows **3:05:40**
